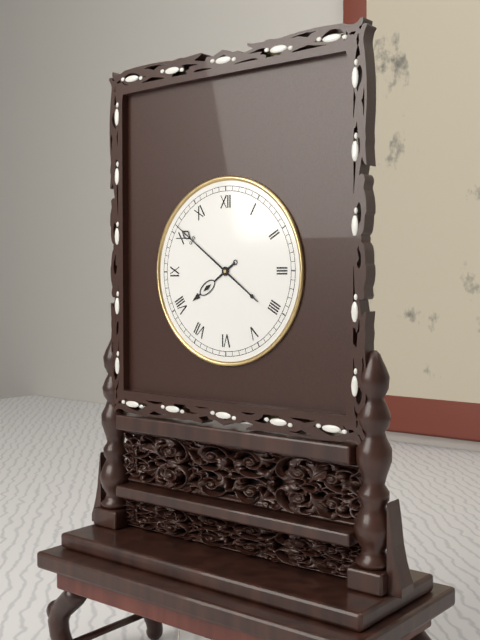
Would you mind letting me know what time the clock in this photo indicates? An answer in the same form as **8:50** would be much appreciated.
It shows **7:51**
